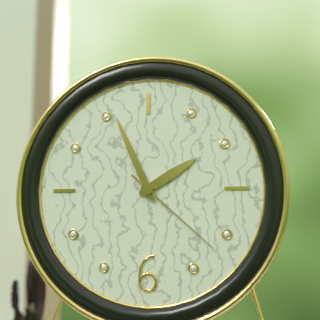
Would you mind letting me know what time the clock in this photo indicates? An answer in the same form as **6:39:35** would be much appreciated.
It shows **1:56:22**
